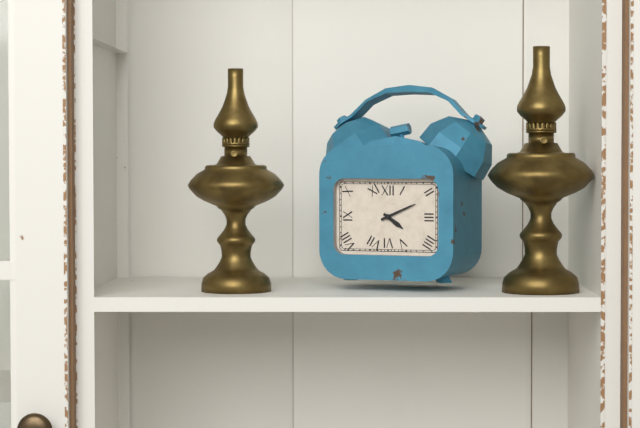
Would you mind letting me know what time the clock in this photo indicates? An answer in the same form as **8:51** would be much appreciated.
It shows **4:11**
